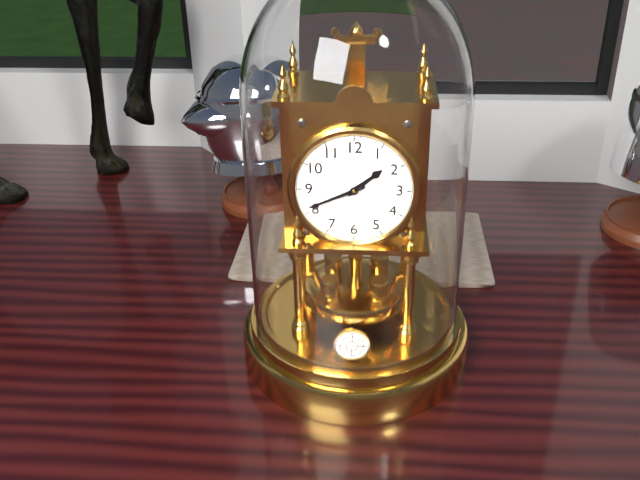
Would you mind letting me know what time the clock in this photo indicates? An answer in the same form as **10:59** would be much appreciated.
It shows **1:41**
